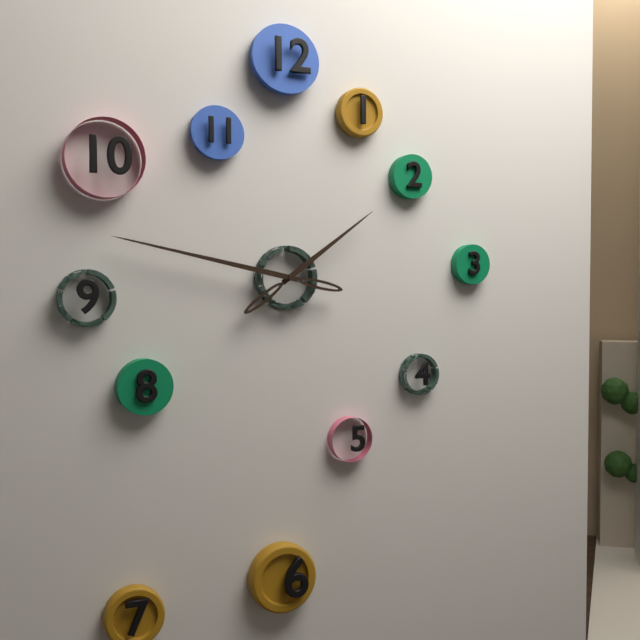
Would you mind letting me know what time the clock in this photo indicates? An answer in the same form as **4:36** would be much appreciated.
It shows **1:47**
